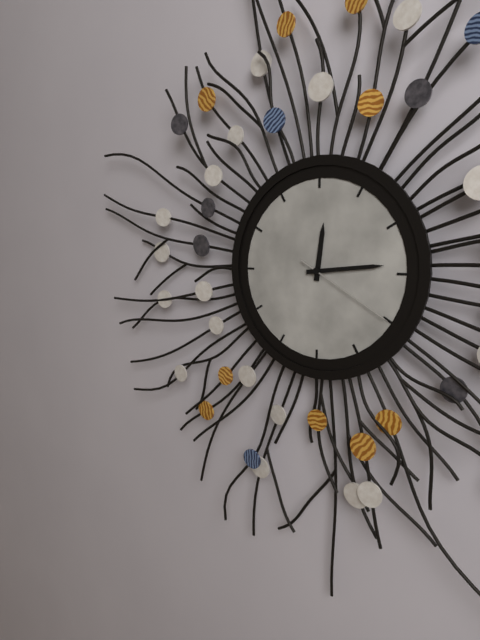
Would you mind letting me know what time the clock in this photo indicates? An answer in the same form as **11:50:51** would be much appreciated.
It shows **12:14:20**
